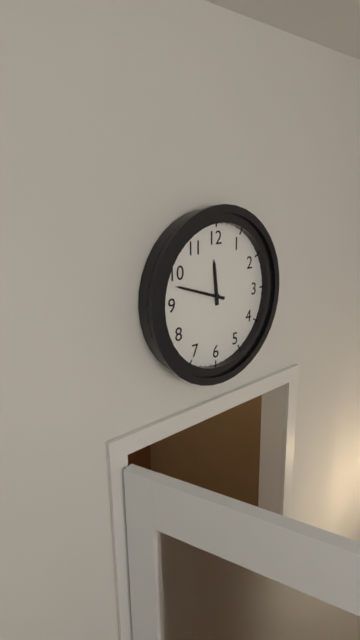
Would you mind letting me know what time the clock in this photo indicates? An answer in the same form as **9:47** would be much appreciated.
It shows **11:48**
